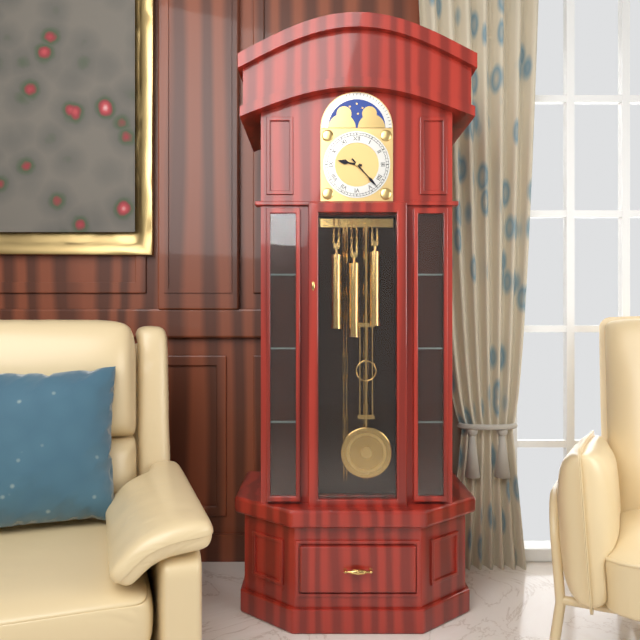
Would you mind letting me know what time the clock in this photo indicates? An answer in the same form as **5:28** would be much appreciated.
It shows **9:23**
